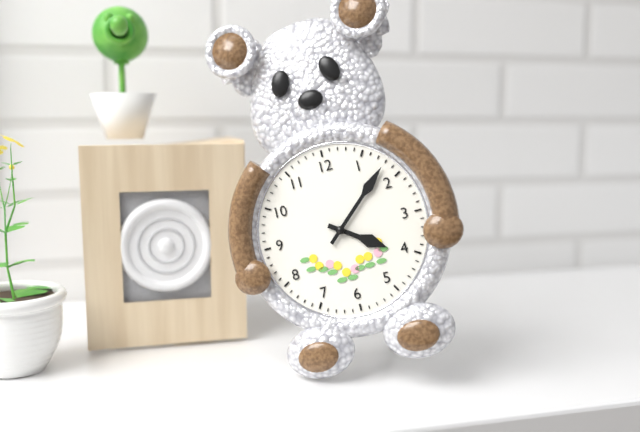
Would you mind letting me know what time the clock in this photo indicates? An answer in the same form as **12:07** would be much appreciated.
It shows **4:08**
